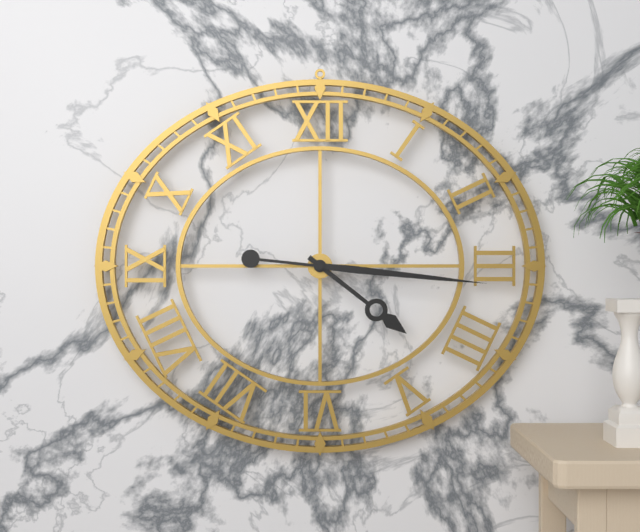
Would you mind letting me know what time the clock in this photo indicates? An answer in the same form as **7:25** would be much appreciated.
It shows **4:16**
